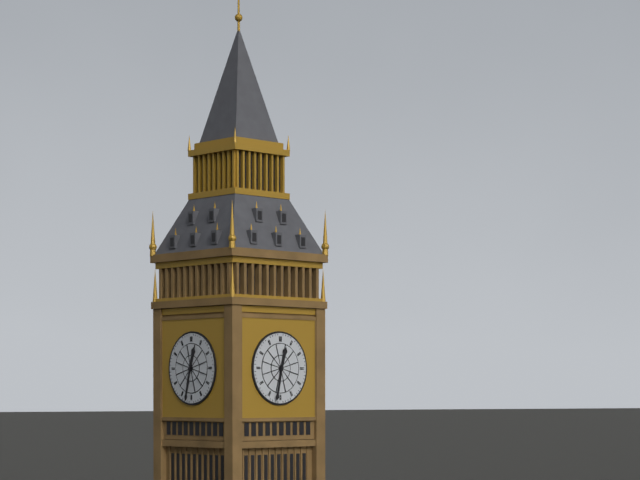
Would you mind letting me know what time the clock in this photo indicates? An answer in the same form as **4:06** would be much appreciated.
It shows **12:32**
